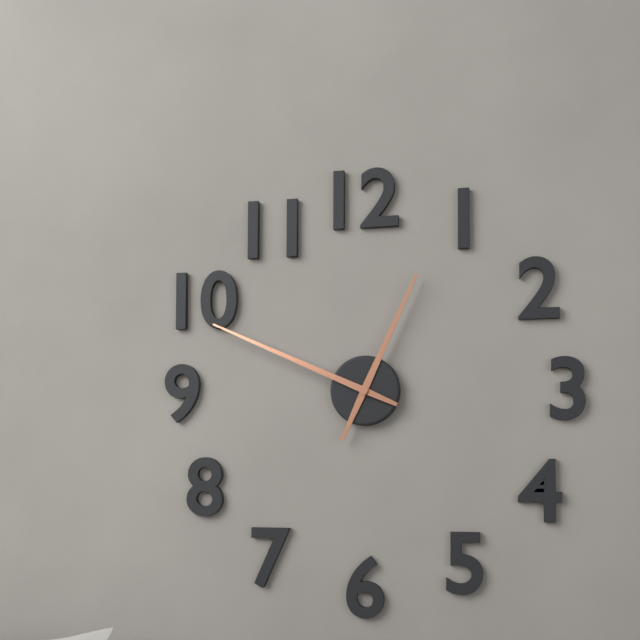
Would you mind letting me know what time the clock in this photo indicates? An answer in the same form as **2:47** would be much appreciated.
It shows **12:49**
